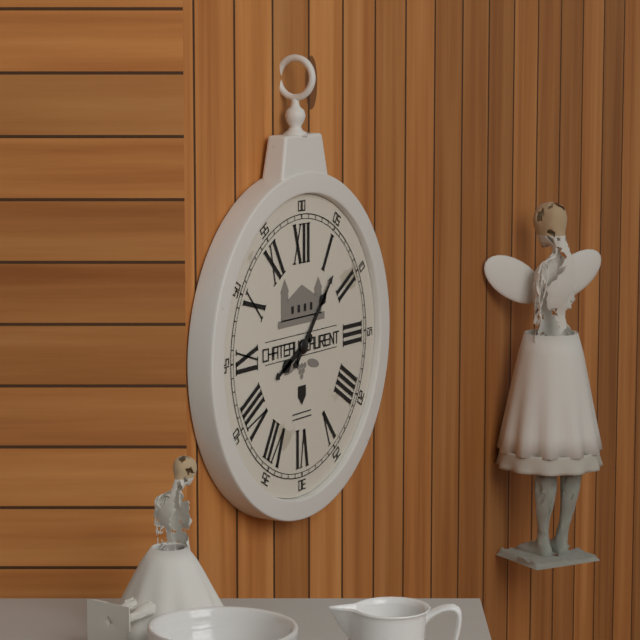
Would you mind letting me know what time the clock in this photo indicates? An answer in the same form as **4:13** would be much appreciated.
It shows **8:07**
